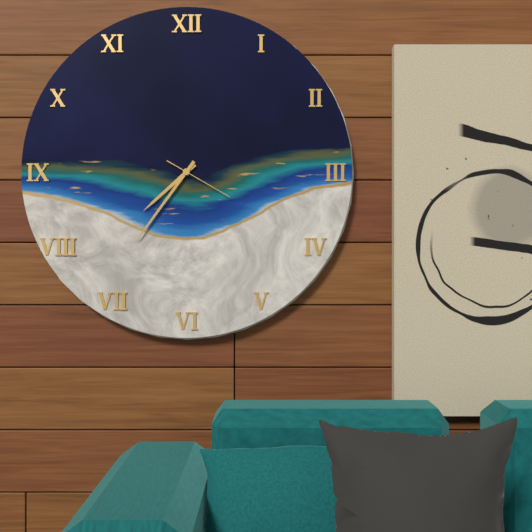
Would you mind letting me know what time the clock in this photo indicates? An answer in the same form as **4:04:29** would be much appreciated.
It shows **7:36:20**
